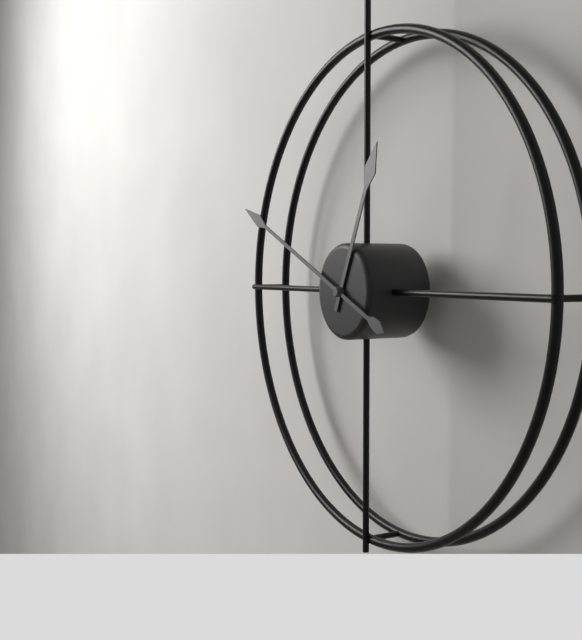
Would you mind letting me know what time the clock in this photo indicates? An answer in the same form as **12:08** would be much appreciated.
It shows **12:49**
